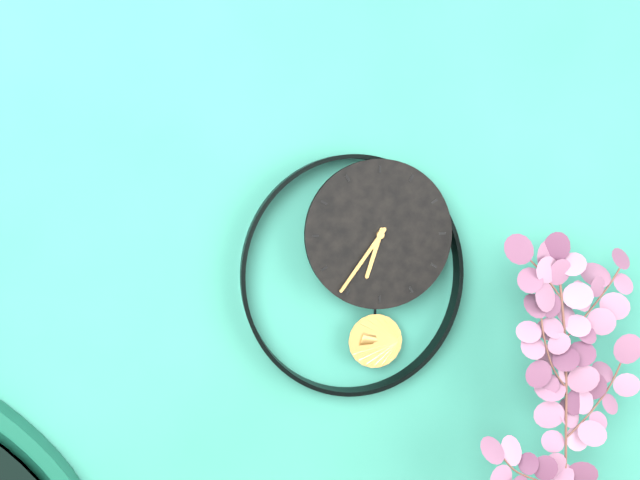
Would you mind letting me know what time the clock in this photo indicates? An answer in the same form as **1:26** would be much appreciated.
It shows **6:36**
